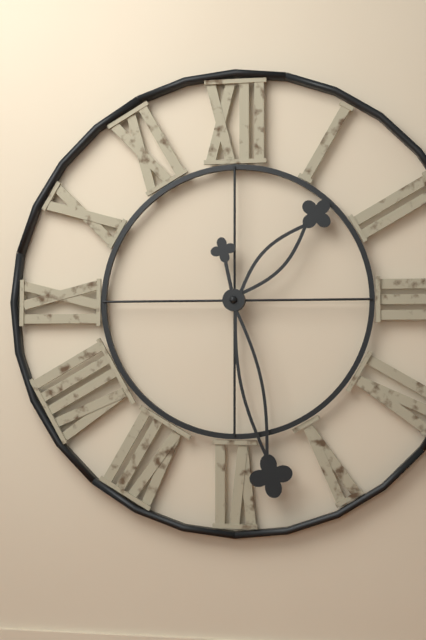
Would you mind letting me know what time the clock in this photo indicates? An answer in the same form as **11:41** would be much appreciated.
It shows **1:28**
